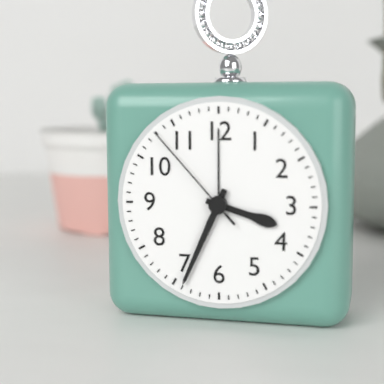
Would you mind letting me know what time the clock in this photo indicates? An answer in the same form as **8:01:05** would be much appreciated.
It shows **3:34:53**
